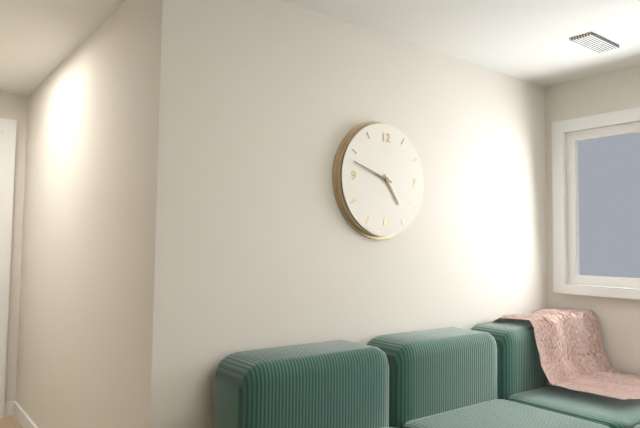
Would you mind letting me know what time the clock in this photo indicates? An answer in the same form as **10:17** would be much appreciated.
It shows **4:48**
